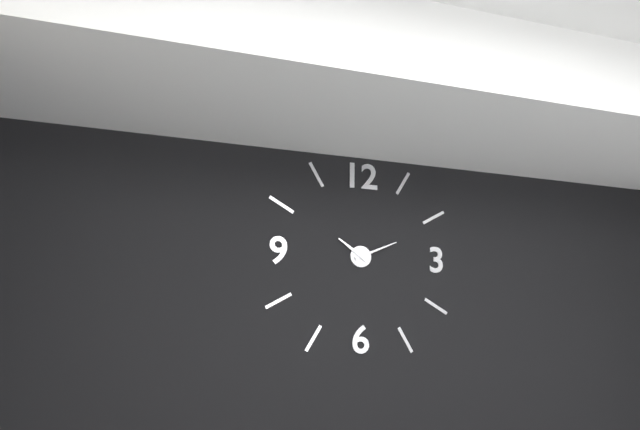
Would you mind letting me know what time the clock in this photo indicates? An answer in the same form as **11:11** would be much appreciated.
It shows **10:11**
